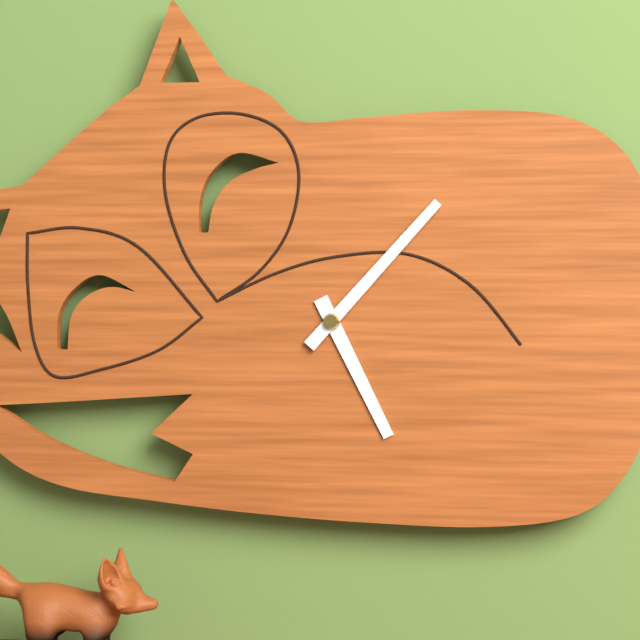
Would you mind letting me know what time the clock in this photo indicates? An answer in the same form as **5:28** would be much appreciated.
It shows **5:07**
